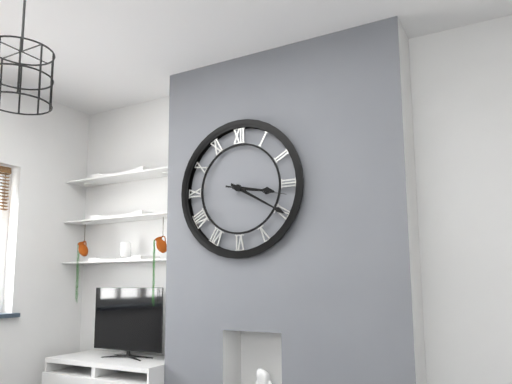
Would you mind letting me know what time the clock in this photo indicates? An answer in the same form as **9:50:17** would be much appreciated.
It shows **3:20:17**
